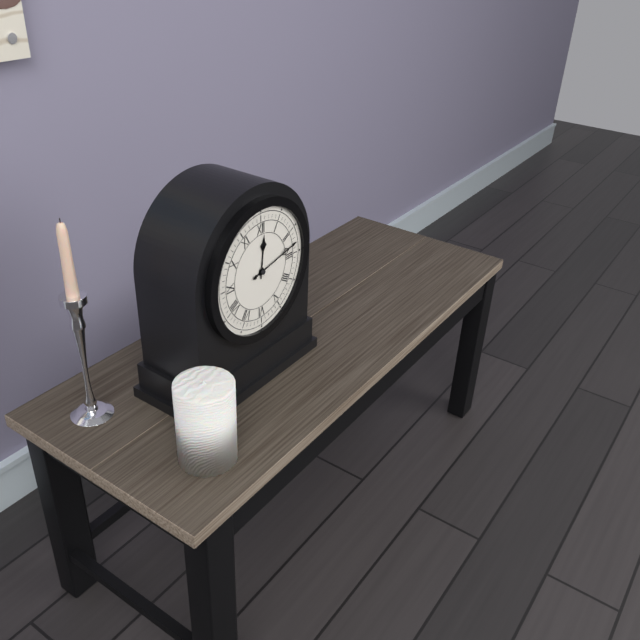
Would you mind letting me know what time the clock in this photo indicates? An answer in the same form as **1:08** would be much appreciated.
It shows **12:13**
